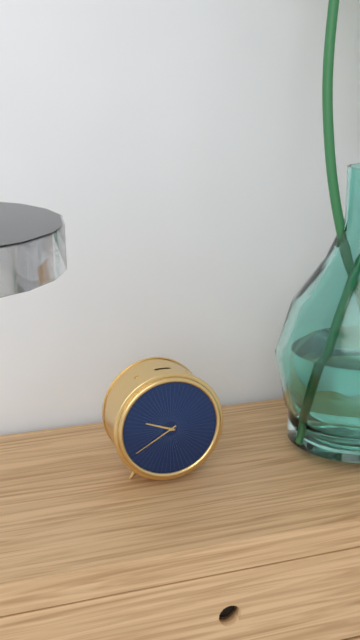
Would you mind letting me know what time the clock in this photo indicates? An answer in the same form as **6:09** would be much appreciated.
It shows **9:40**
